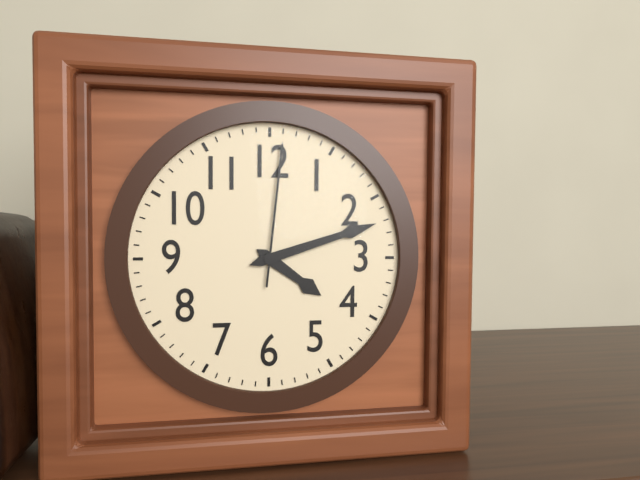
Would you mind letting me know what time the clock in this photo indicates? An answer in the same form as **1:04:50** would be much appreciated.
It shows **4:12:01**
